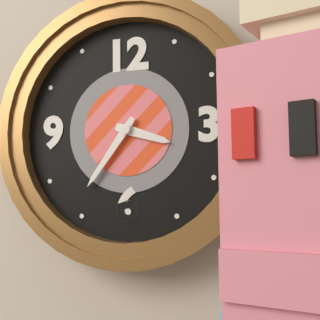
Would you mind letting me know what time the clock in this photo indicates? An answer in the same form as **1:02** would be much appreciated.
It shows **3:36**
